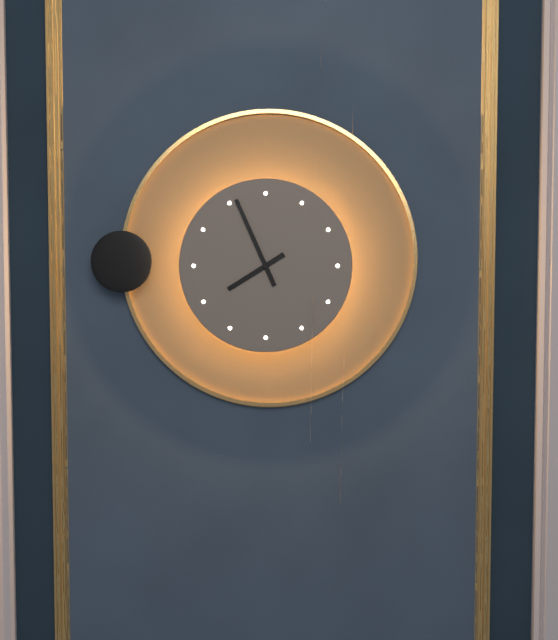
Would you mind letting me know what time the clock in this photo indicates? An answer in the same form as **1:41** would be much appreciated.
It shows **7:56**
